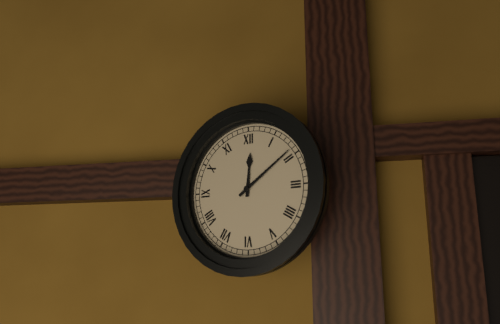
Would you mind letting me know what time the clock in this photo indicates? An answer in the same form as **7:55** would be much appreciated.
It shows **12:09**
